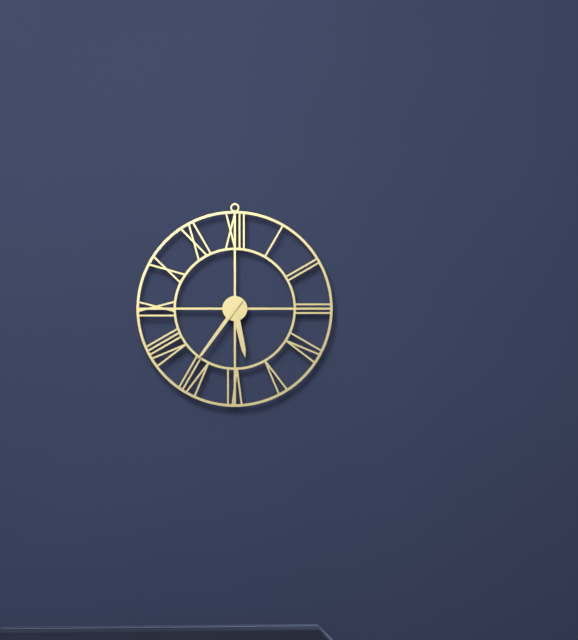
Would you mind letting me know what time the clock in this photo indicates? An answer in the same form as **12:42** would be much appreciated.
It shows **5:36**
